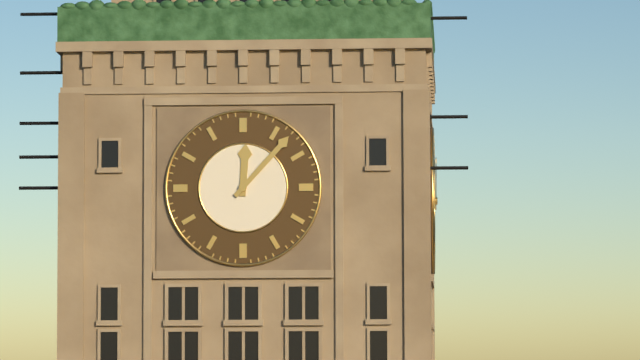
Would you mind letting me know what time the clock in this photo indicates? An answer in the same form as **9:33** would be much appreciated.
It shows **12:07**
